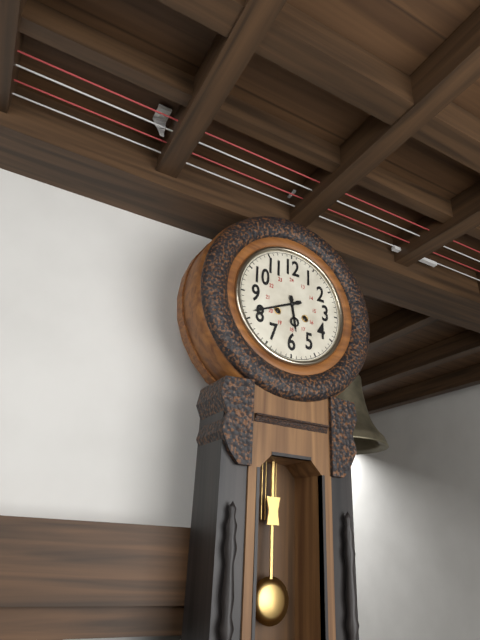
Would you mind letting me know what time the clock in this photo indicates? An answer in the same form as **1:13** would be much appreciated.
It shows **5:41**
